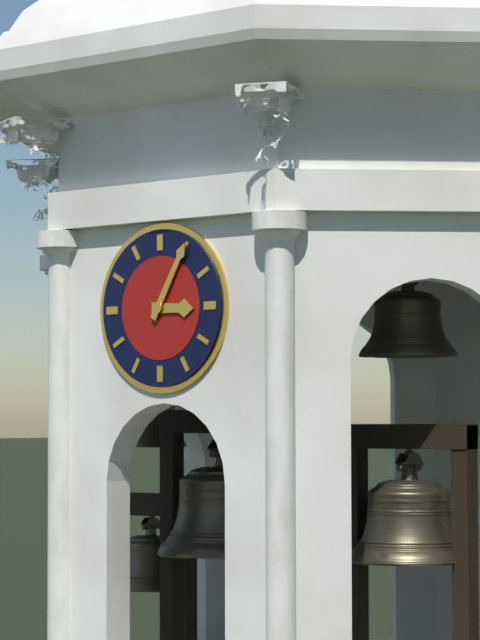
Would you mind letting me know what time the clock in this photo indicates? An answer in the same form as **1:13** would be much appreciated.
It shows **3:05**
